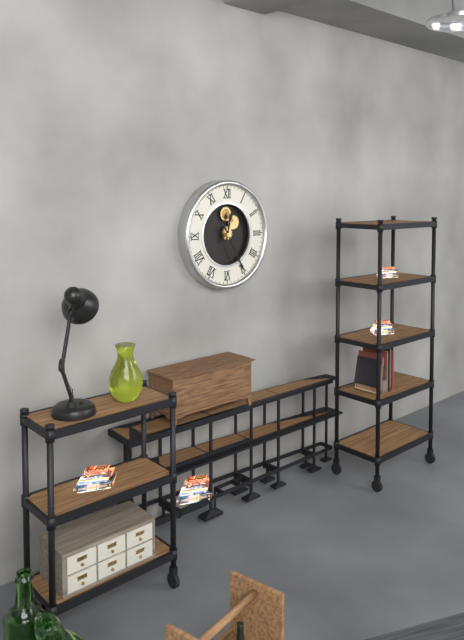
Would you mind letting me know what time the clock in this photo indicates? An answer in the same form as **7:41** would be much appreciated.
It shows **12:25**
